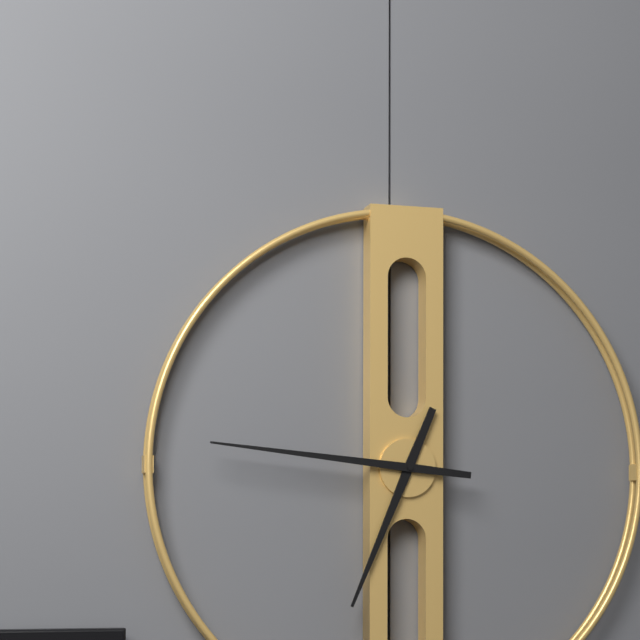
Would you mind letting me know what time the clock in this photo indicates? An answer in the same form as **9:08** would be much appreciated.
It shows **6:46**
